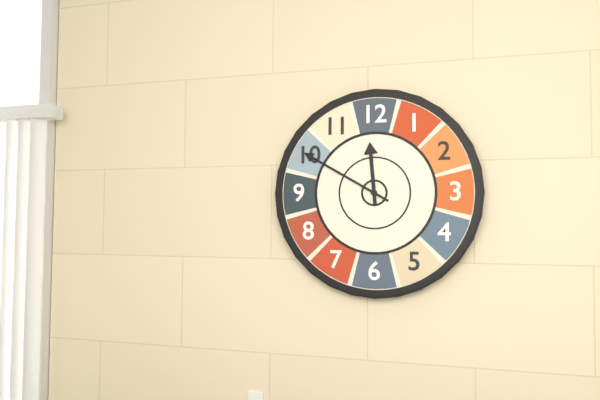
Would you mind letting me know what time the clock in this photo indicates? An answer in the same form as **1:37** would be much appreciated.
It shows **11:50**
